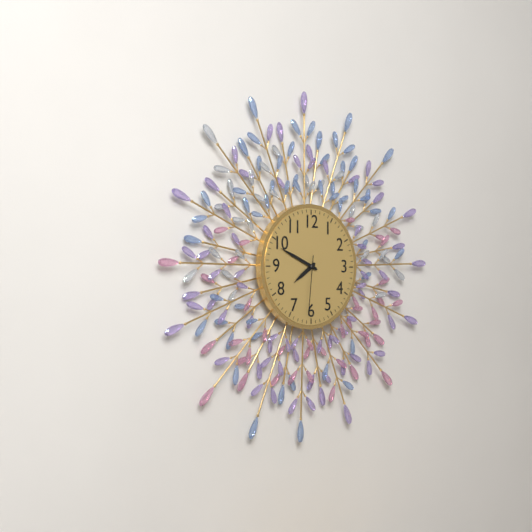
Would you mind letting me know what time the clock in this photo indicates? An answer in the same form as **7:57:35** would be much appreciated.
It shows **7:49:31**
